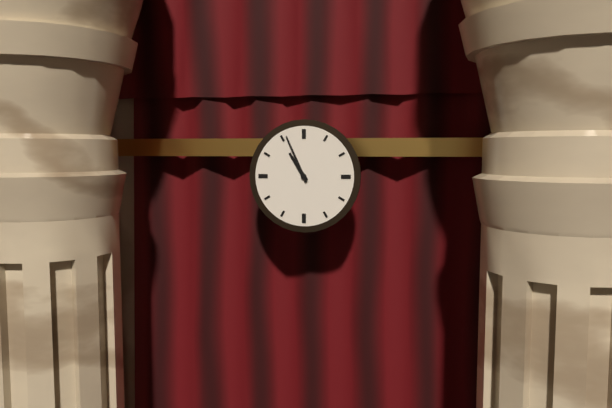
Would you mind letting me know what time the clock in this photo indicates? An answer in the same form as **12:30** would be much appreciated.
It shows **10:56**
